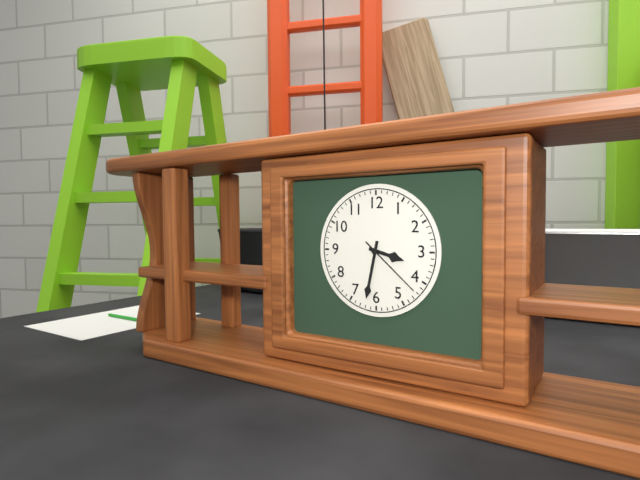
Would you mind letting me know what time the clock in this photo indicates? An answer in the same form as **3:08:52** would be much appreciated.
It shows **3:32:22**
